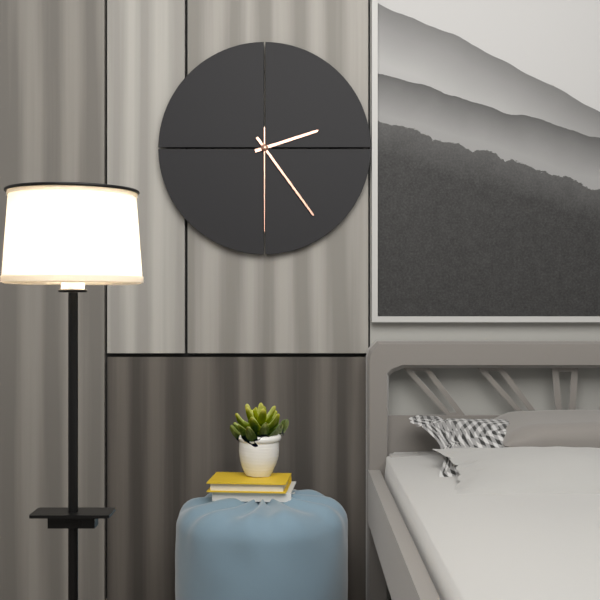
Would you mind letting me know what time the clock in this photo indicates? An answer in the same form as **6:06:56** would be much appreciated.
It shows **2:24:30**
